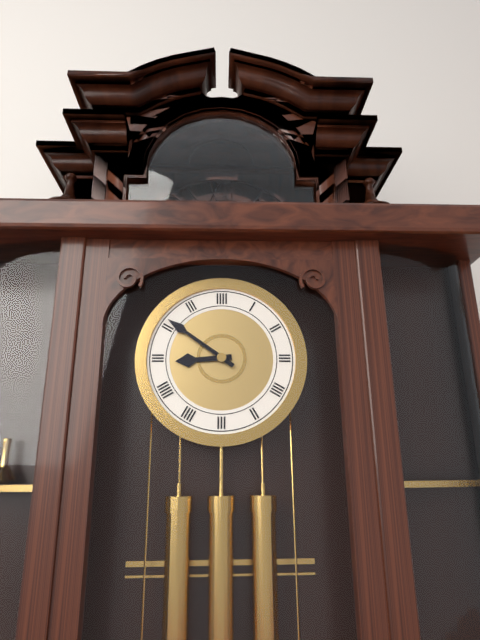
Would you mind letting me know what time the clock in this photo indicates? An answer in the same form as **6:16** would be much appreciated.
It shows **8:51**
